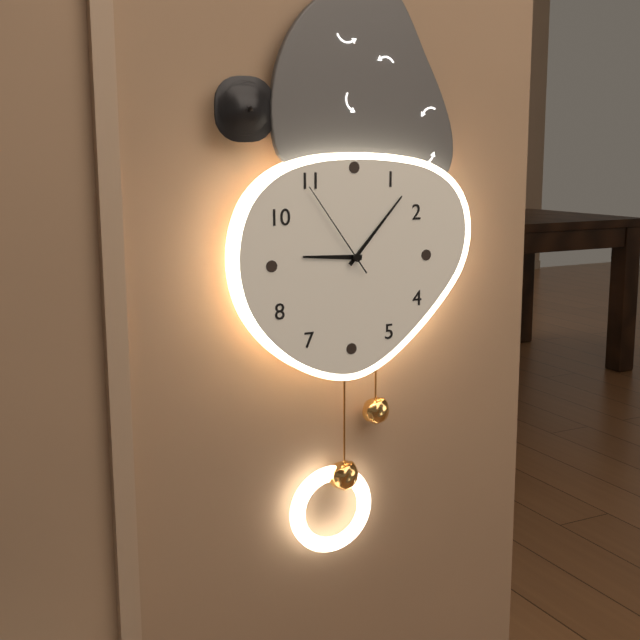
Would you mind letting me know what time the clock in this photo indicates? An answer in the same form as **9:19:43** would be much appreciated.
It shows **9:07:54**
